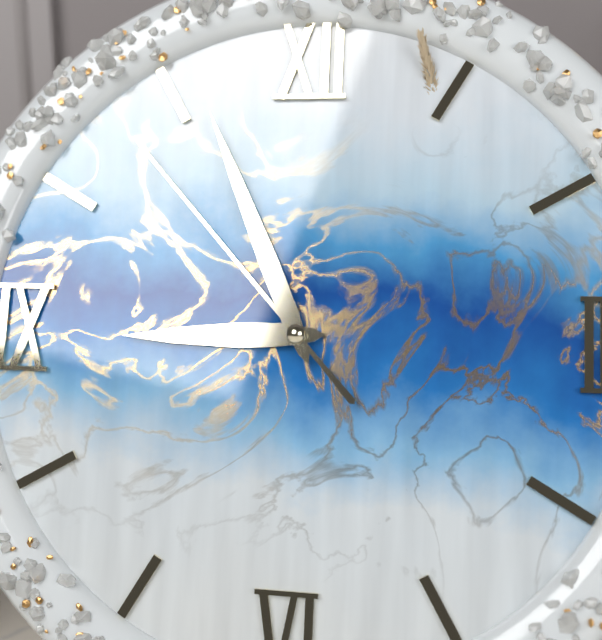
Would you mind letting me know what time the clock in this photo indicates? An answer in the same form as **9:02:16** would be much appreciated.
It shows **8:56:53**
